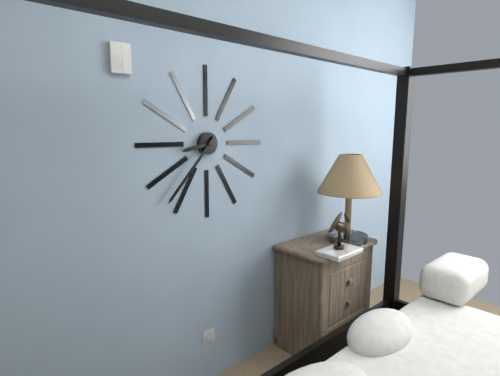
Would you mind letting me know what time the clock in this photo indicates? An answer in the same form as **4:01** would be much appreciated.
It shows **8:37**
